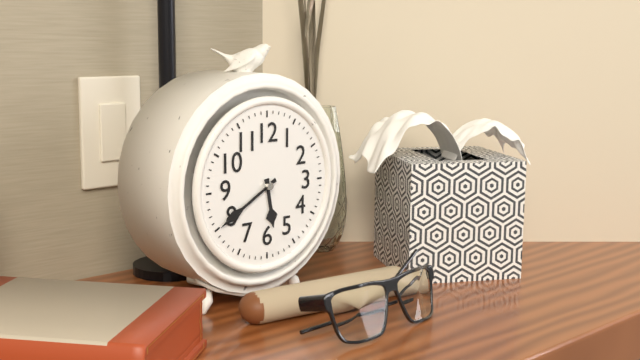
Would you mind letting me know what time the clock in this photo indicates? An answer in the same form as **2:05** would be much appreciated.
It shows **5:40**
